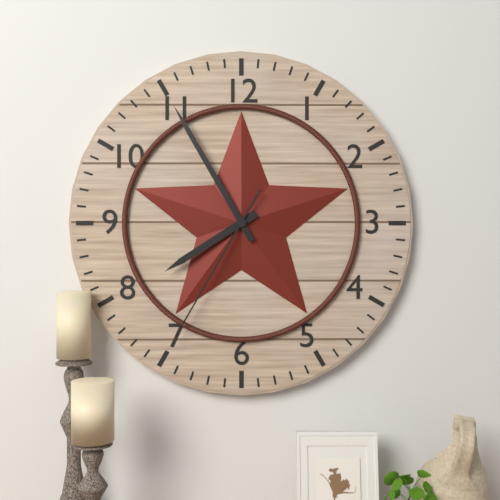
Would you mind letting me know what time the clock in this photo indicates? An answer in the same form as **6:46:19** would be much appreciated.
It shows **7:55:35**
